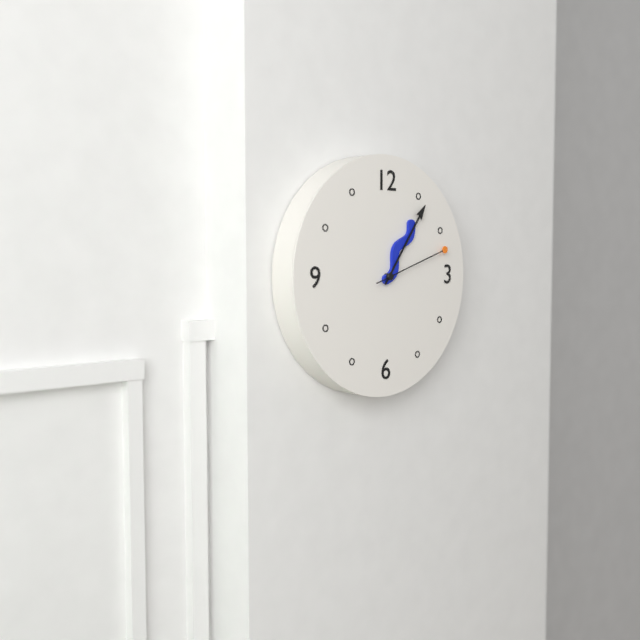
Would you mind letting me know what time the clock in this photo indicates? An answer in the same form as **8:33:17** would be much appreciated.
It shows **1:06:12**
